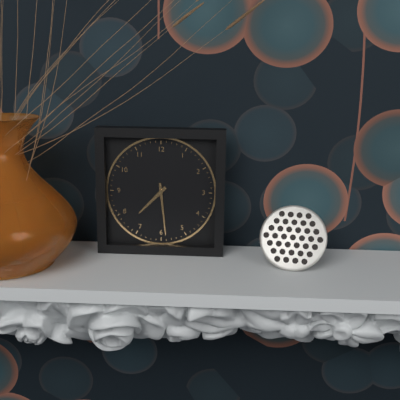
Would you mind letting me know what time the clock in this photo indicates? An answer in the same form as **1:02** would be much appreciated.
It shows **7:29**
